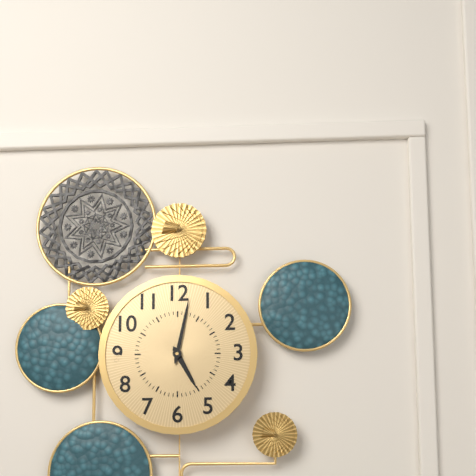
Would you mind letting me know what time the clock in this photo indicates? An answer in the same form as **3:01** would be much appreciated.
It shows **5:02**
